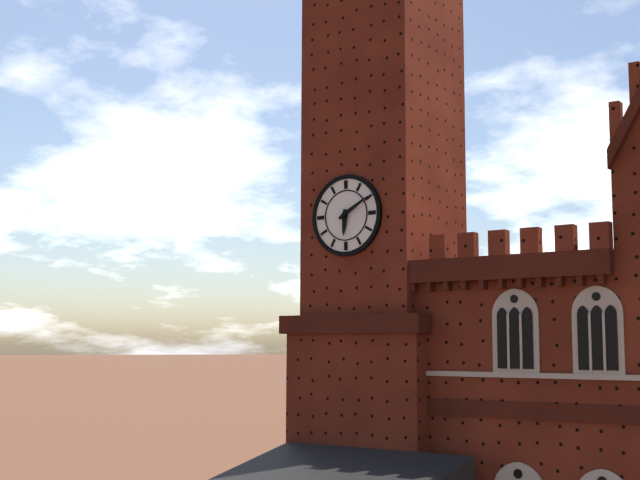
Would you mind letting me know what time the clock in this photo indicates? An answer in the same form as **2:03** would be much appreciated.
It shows **6:10**
